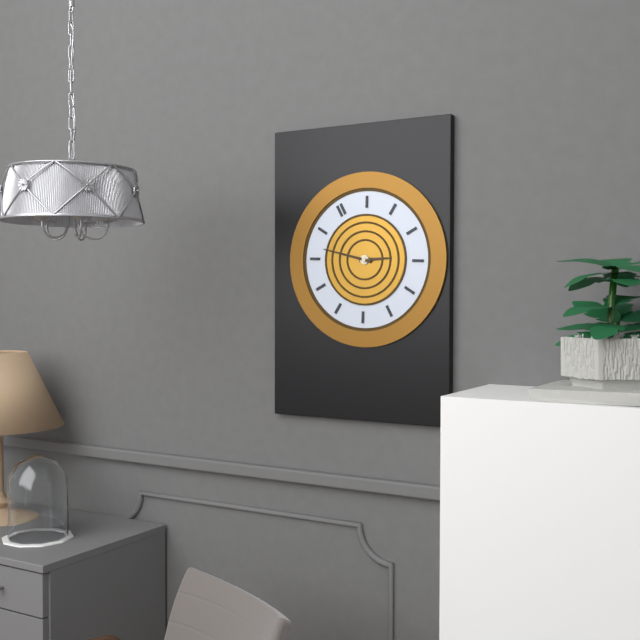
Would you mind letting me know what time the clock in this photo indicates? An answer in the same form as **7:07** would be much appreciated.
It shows **3:52**
